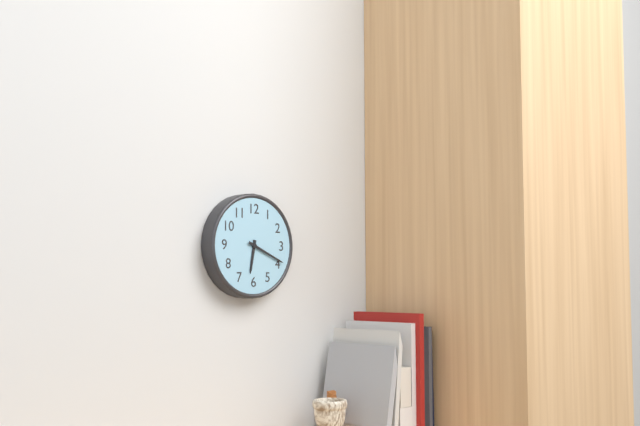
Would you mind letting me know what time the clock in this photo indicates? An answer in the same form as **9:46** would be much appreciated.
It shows **6:19**
